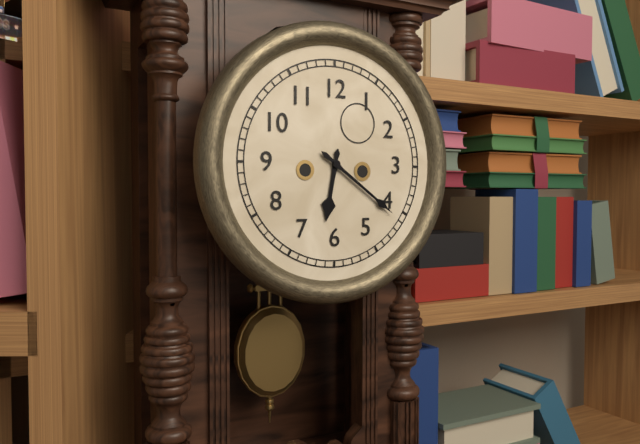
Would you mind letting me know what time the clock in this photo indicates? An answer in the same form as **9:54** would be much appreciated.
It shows **6:21**
